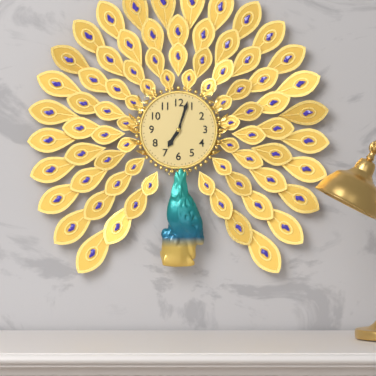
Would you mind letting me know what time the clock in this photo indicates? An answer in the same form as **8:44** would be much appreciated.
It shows **7:03**
